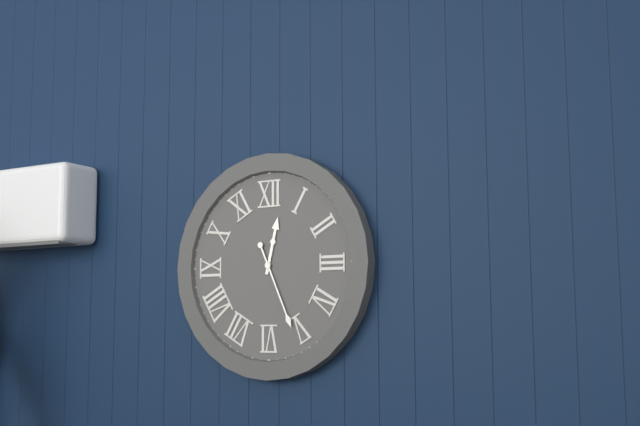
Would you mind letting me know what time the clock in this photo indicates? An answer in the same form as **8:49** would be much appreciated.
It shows **12:26**
